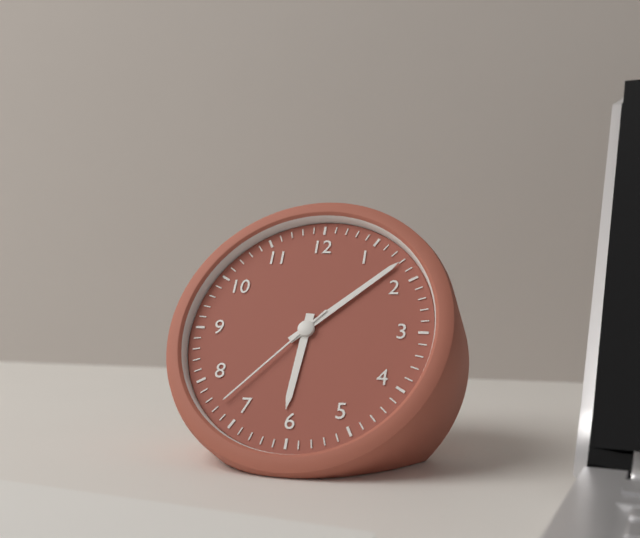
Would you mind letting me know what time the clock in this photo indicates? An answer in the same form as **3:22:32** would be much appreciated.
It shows **6:08:37**
